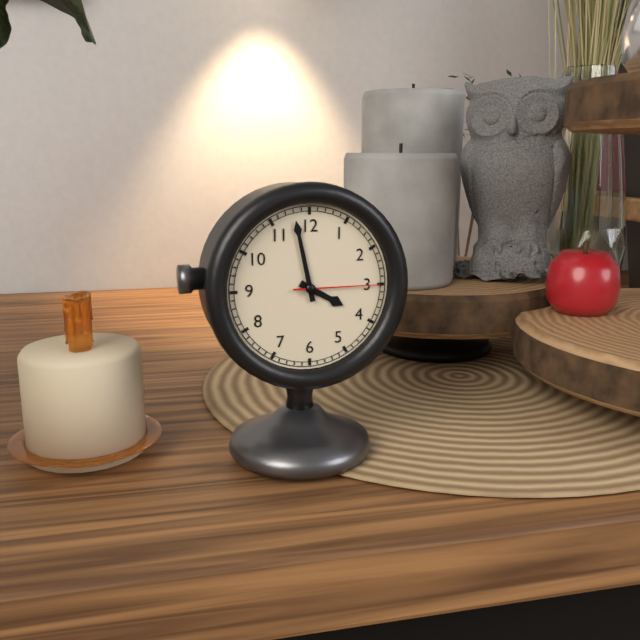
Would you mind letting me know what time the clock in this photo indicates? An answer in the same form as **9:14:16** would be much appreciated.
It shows **3:58:15**
